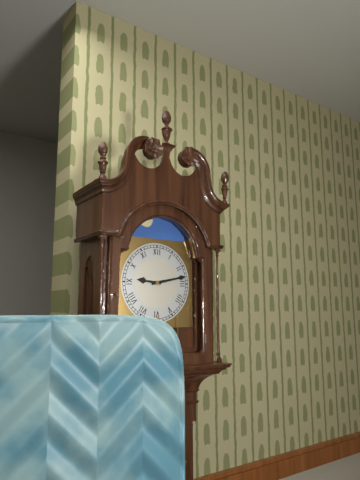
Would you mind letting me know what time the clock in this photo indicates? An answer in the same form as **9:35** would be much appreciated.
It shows **9:13**
